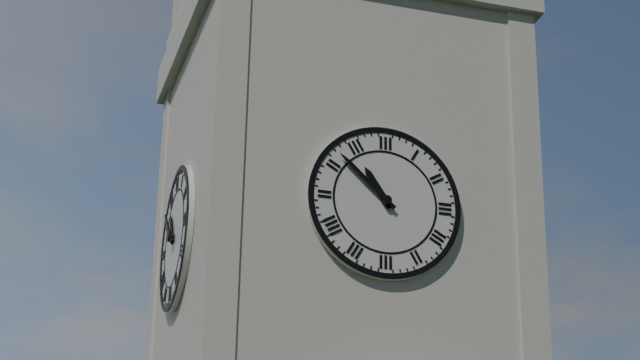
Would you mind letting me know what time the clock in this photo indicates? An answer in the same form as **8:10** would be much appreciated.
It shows **10:52**
